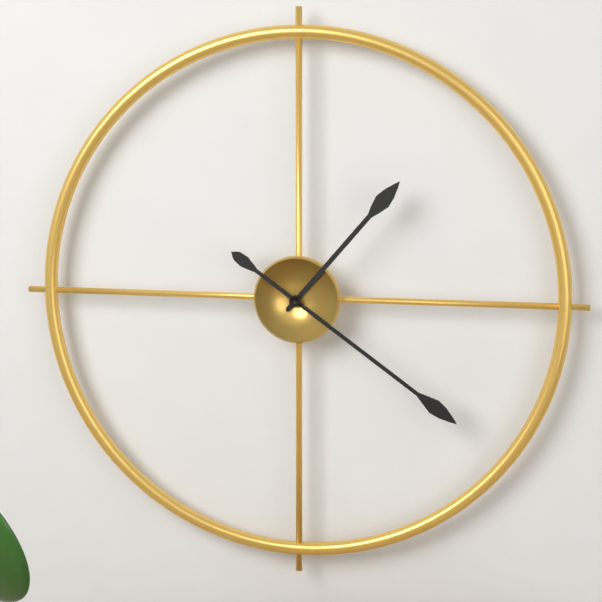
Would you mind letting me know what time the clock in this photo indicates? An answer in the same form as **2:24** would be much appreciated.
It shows **1:21**
